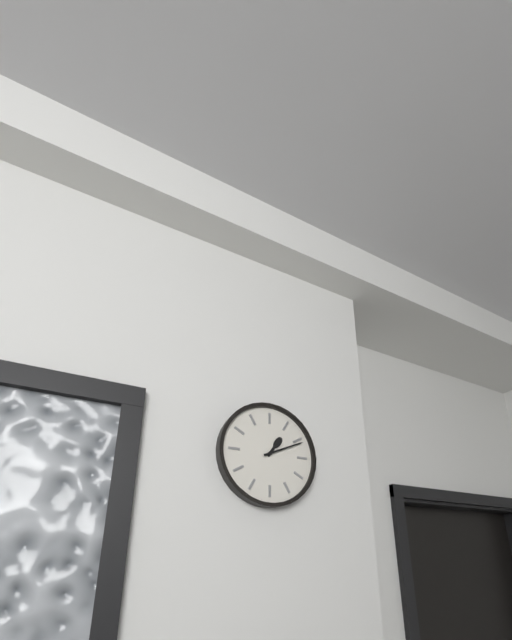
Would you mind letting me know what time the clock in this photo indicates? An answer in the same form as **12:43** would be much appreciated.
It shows **1:11**
